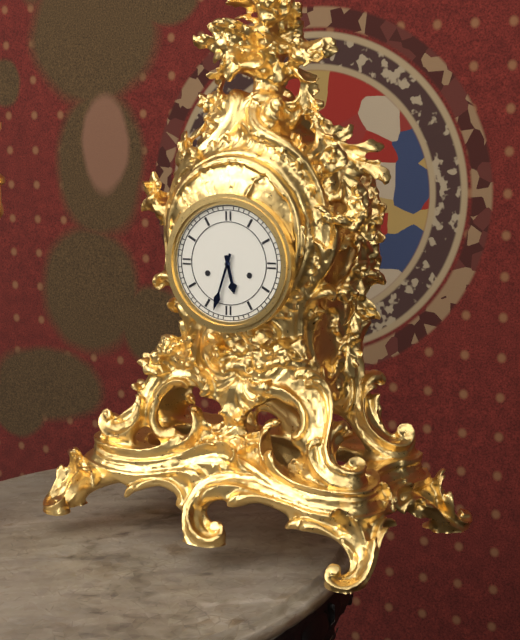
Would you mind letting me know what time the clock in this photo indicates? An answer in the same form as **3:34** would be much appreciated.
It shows **5:33**
